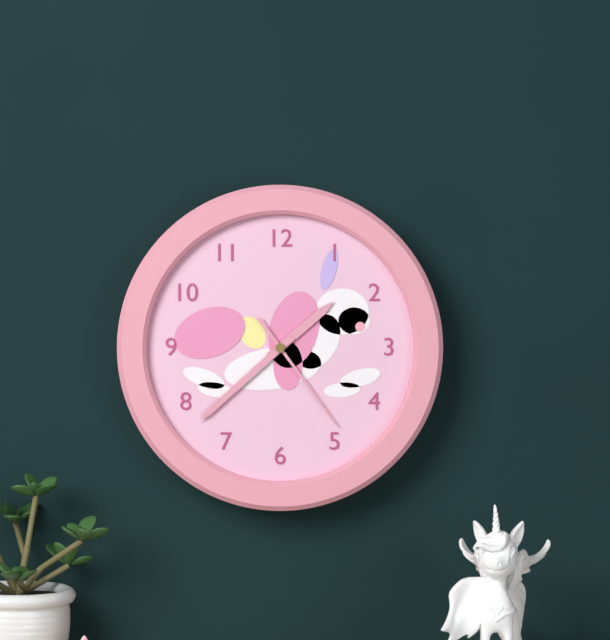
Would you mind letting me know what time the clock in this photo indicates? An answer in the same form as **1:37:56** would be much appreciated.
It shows **1:38:24**
